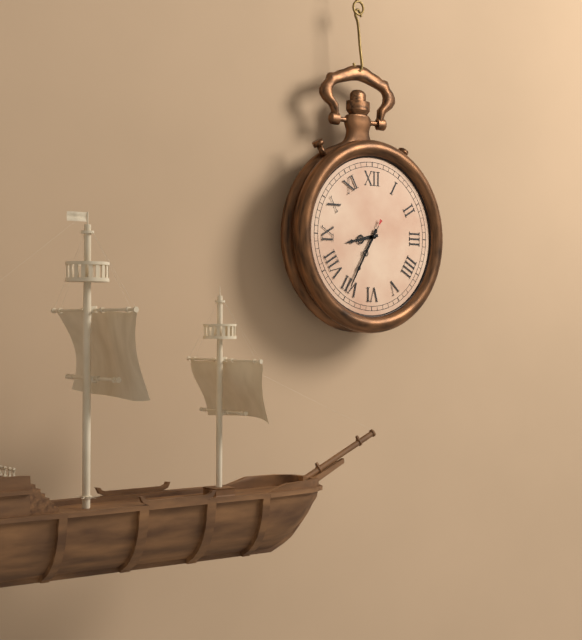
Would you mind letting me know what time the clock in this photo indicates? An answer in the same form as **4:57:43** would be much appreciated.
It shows **8:35:35**
